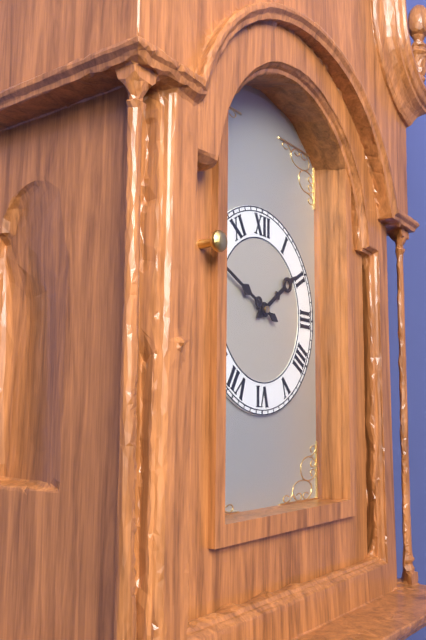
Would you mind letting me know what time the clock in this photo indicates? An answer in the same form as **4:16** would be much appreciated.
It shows **1:49**
